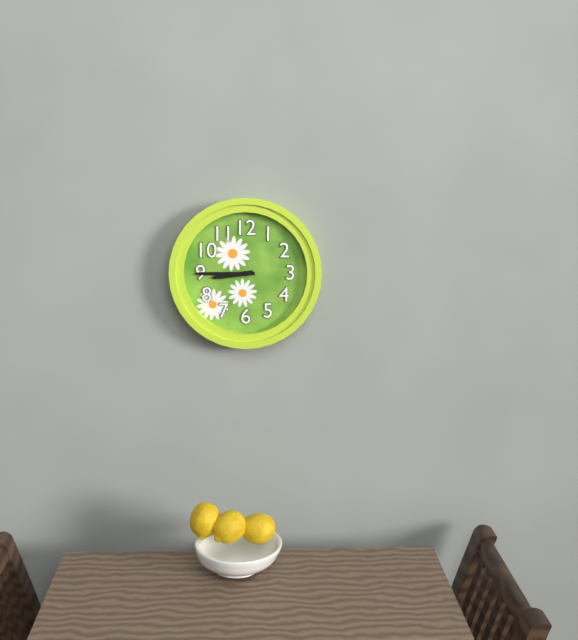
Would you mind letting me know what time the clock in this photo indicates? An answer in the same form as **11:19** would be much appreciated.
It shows **8:45**
